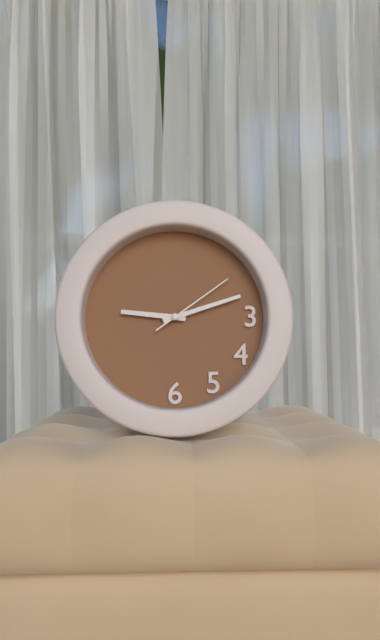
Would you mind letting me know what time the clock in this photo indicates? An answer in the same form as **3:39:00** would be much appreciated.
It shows **9:12:09**
